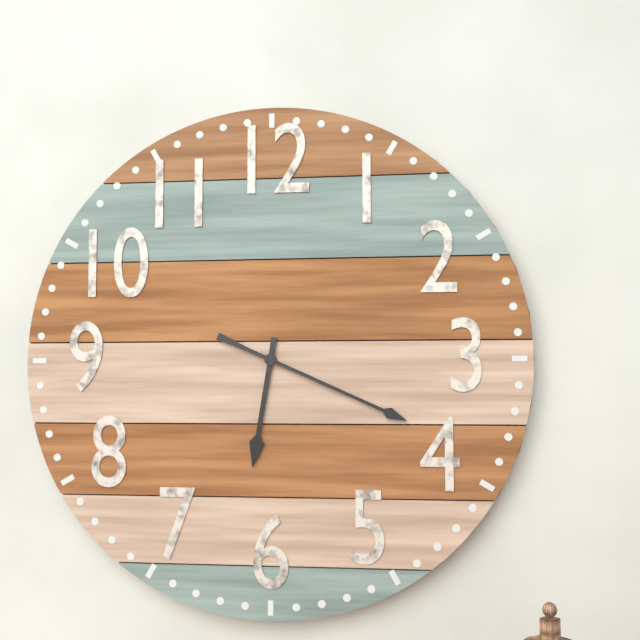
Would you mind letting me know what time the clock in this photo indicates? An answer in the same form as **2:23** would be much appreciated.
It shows **6:19**
